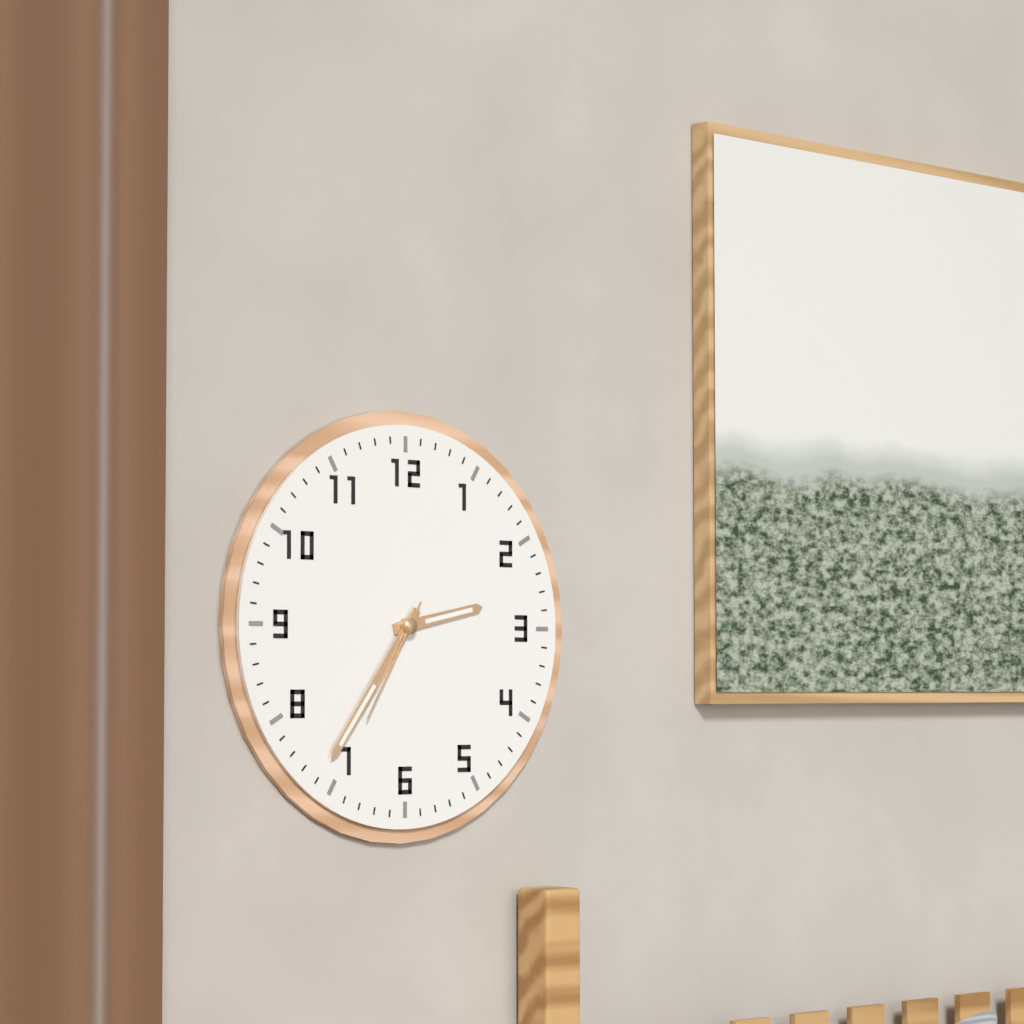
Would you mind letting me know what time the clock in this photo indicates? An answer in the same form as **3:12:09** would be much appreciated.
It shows **2:36:35**
